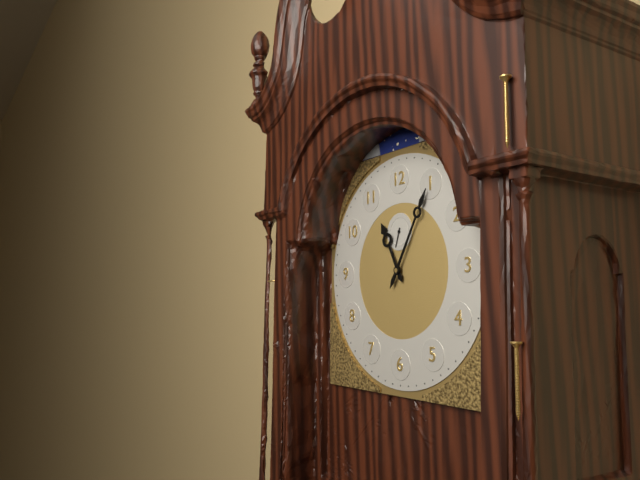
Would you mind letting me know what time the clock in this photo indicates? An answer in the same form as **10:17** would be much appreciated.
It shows **11:05**
